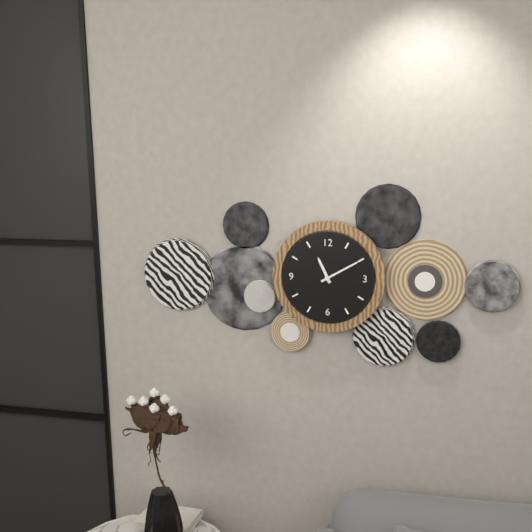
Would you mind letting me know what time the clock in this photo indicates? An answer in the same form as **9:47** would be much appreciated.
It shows **11:10**
